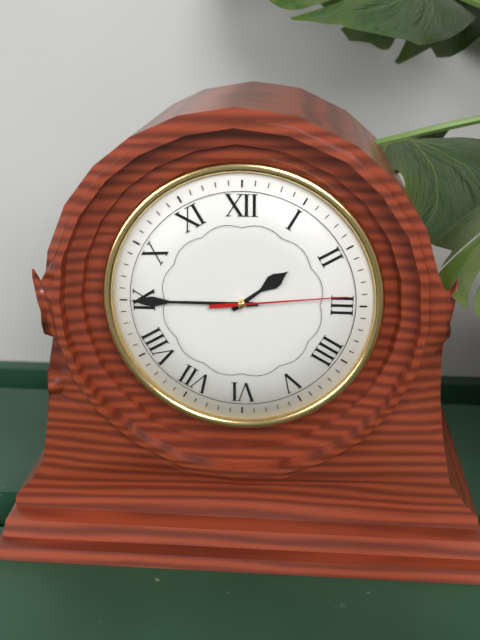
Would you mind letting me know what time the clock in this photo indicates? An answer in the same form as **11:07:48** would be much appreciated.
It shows **1:45:14**
